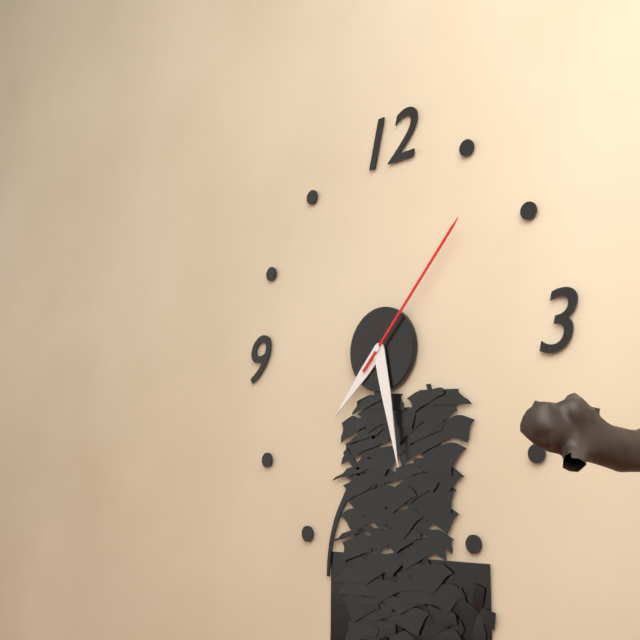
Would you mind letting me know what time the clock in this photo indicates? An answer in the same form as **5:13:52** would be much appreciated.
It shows **7:28:07**
